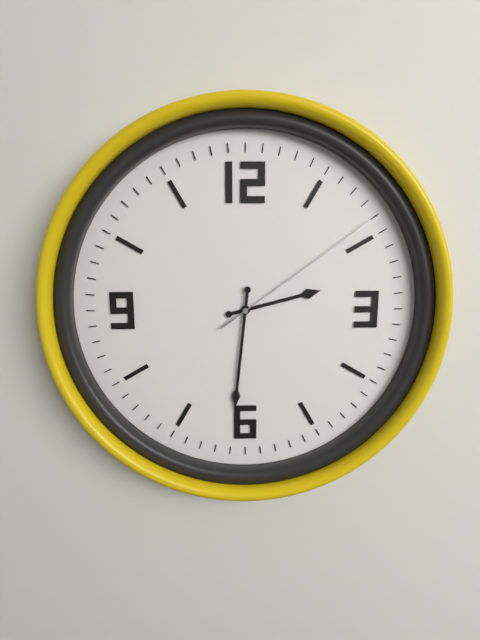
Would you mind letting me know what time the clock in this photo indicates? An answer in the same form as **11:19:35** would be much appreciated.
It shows **2:31:09**
